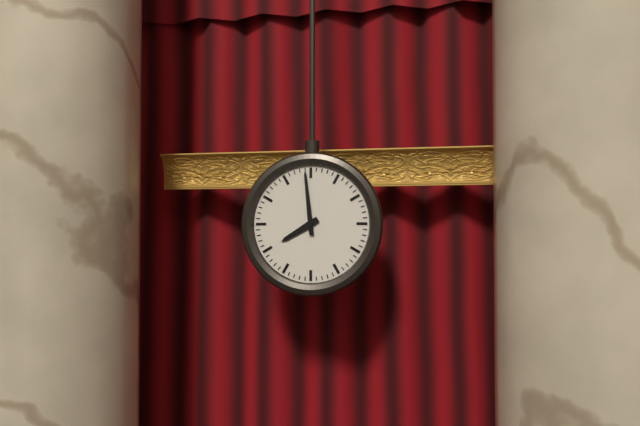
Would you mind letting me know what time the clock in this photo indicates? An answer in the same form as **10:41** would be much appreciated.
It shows **7:59**
